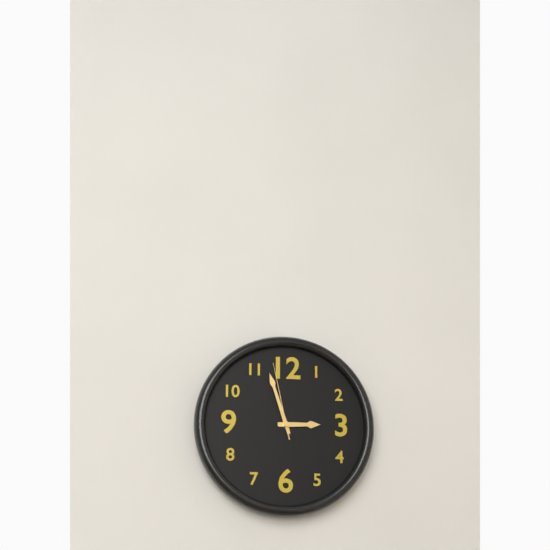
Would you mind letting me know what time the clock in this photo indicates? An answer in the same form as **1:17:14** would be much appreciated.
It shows **2:57:58**
